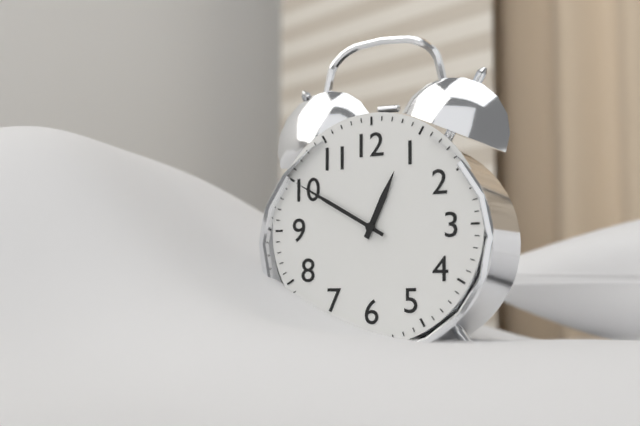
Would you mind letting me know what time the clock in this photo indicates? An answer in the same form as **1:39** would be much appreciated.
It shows **12:50**
